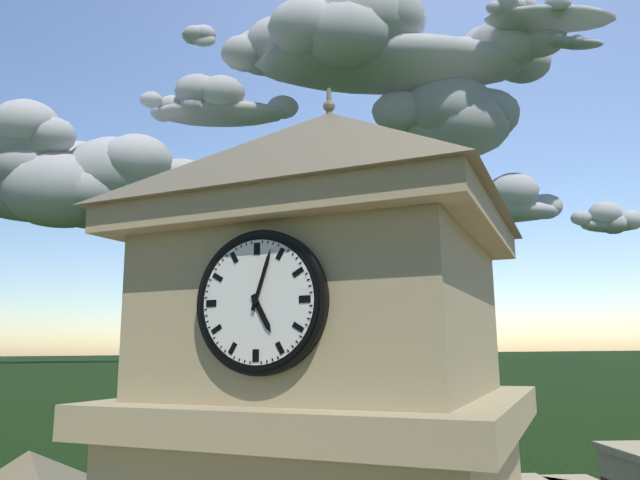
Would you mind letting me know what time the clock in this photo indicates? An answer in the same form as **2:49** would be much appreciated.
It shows **5:03**
